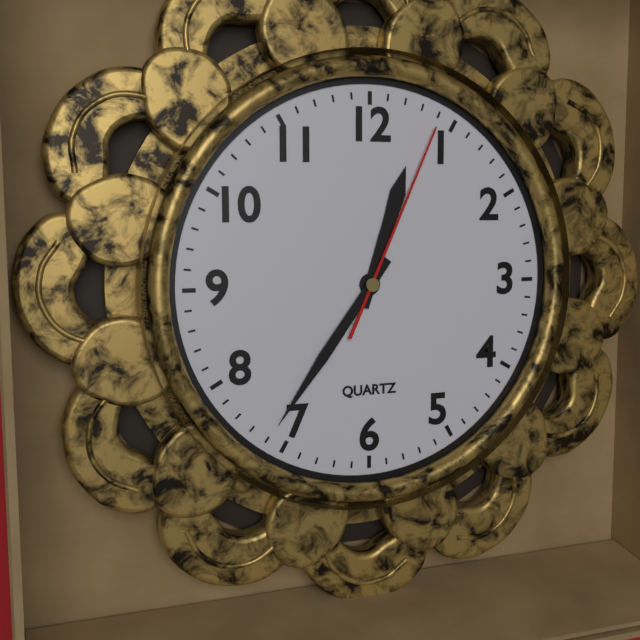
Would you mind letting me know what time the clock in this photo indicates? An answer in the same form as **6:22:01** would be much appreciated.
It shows **12:36:04**
